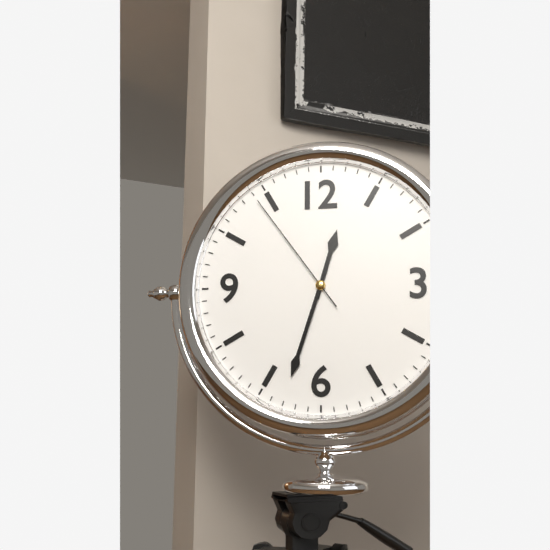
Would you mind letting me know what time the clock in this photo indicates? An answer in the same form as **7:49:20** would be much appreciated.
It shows **12:33:54**
